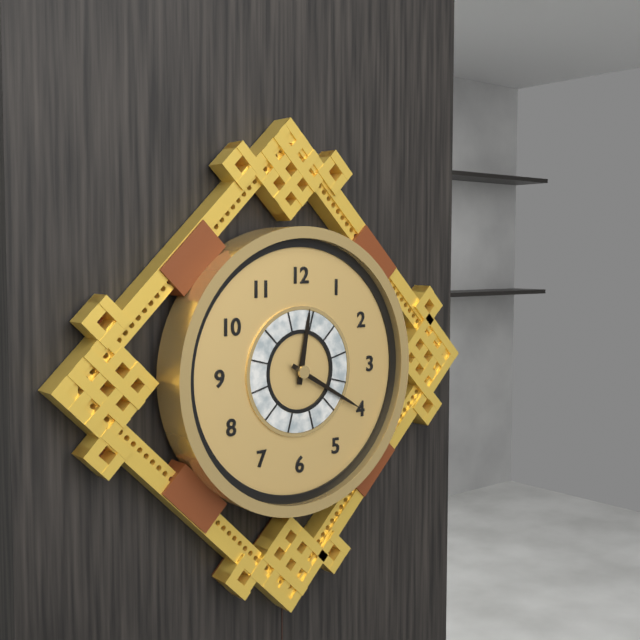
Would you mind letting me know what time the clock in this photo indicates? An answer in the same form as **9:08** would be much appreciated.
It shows **12:20**
